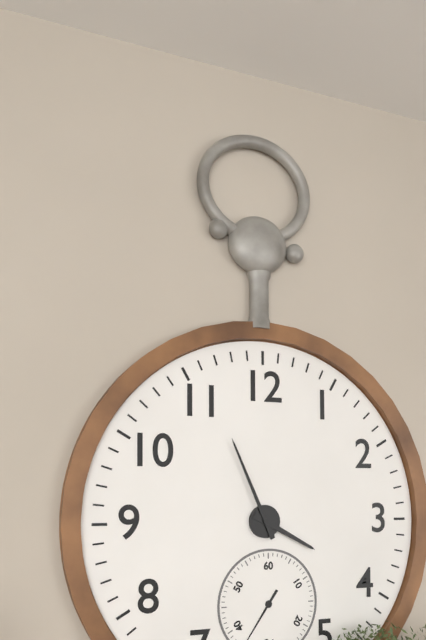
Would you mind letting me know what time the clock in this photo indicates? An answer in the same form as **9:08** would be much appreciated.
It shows **3:56**
